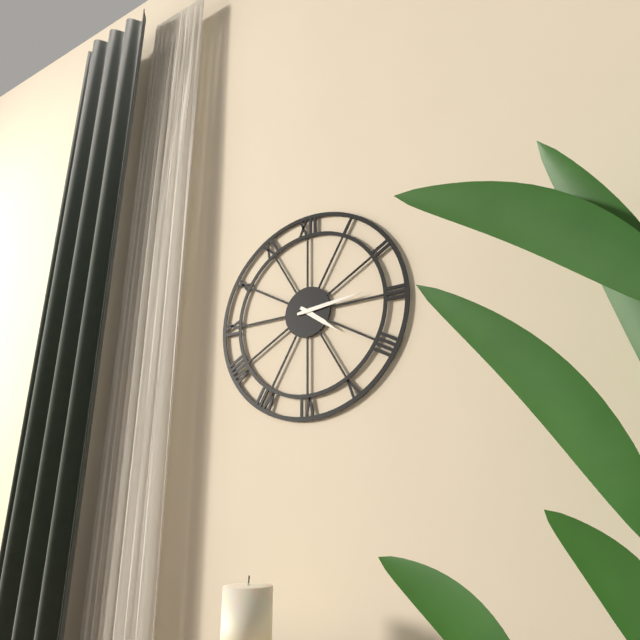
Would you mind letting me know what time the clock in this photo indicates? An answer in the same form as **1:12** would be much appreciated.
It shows **4:14**
